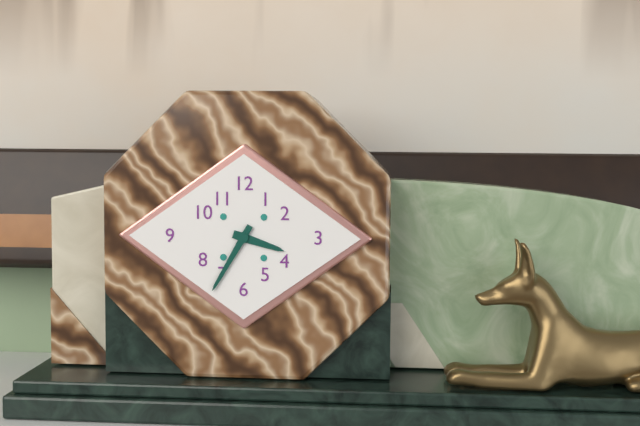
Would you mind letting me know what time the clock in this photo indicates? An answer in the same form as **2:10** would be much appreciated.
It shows **3:35**
